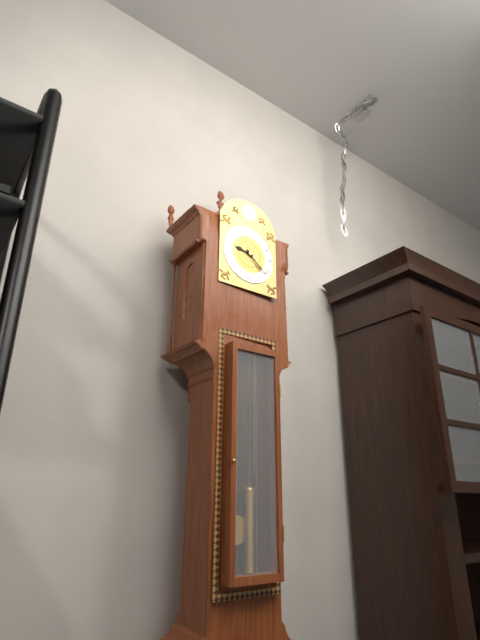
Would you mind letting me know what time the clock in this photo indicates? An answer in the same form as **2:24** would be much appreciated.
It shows **9:22**
